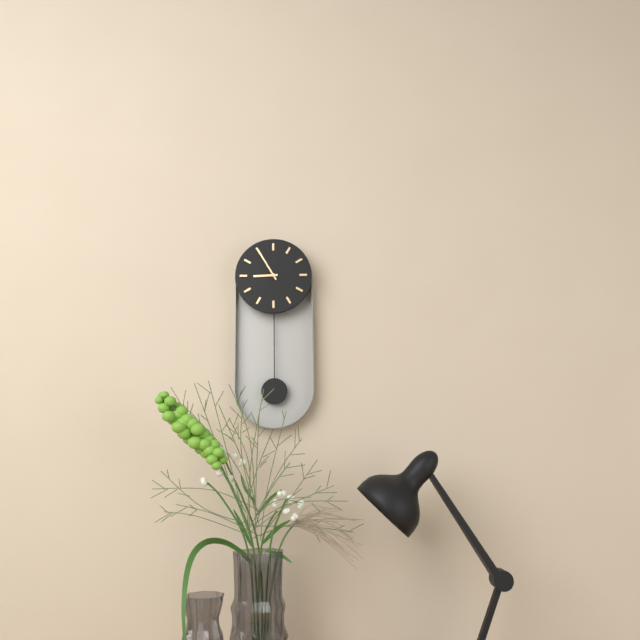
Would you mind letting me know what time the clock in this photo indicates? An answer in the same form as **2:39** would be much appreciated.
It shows **8:55**
